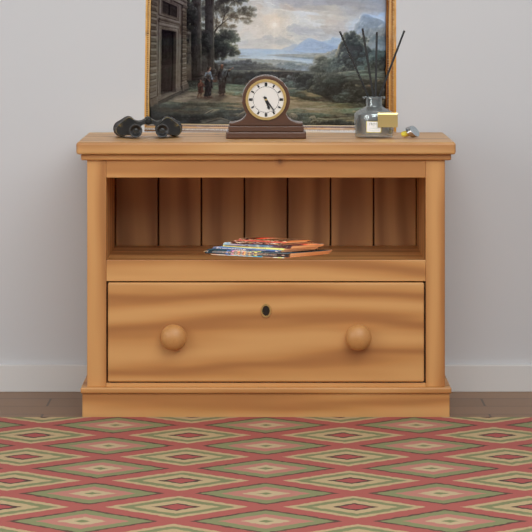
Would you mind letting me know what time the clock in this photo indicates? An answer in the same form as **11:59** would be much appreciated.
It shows **5:24**
